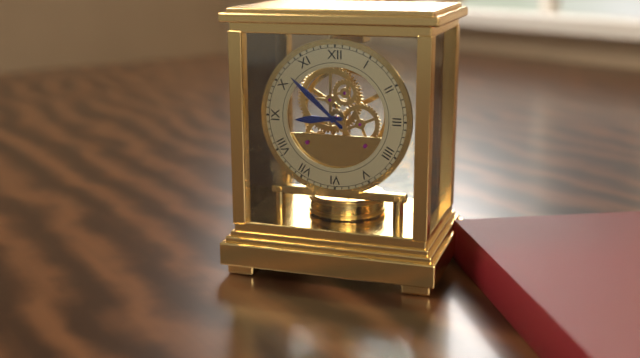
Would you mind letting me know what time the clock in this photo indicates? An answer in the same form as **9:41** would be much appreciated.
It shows **8:52**
